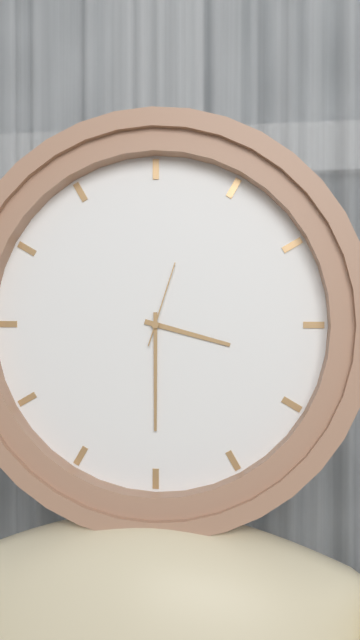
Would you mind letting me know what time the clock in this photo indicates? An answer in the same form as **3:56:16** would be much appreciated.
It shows **3:30:03**
